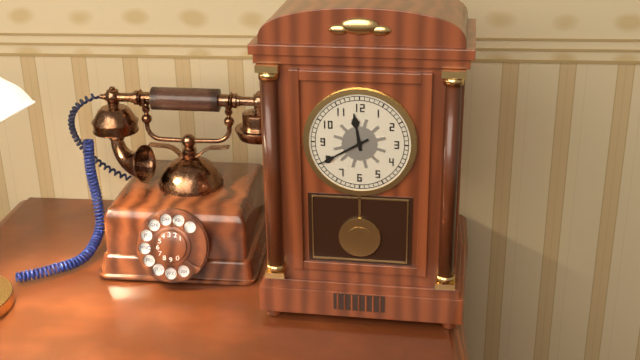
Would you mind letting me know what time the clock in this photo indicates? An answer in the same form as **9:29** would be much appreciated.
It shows **11:40**
